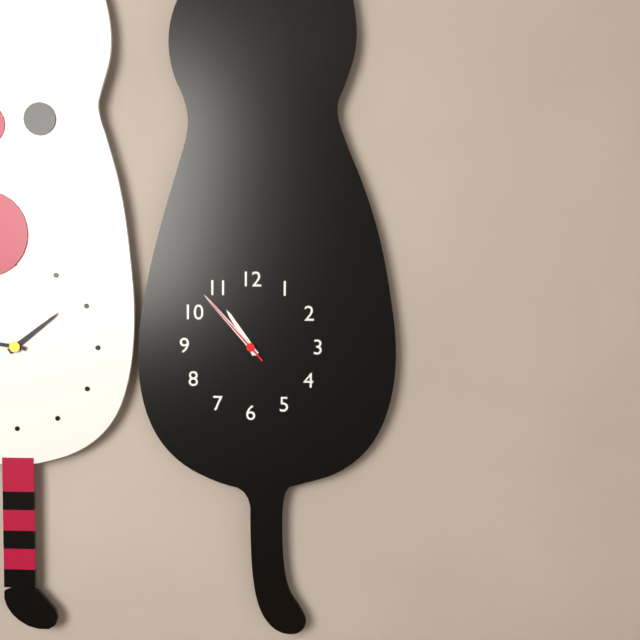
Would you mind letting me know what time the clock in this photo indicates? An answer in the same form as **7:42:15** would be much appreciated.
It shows **10:53:53**
